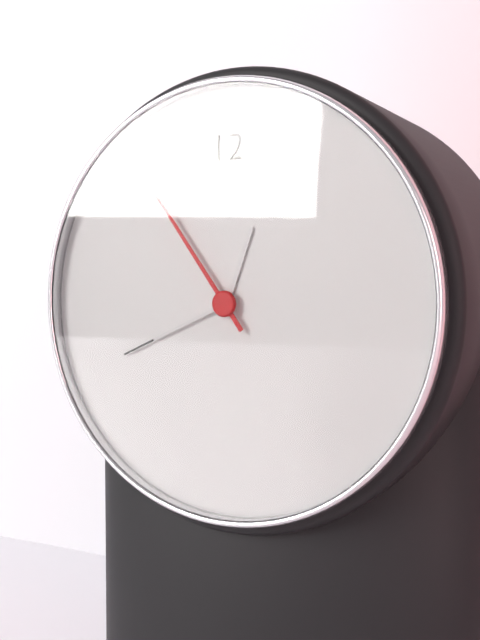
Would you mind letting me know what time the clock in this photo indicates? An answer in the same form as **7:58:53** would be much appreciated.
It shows **12:41:54**
